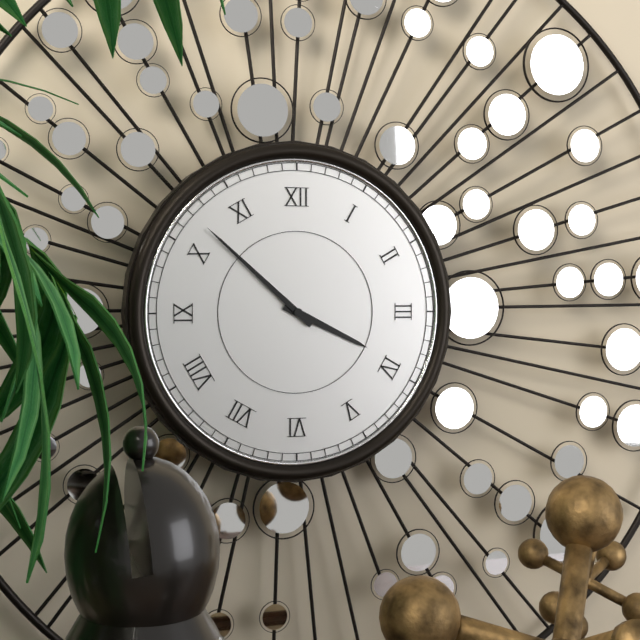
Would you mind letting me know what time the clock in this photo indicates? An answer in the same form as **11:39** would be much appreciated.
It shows **3:52**
